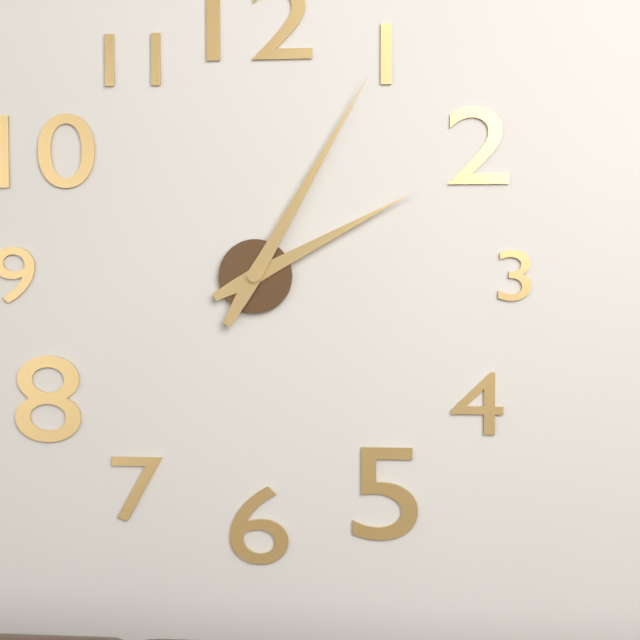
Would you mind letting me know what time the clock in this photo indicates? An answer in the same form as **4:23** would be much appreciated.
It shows **2:05**
